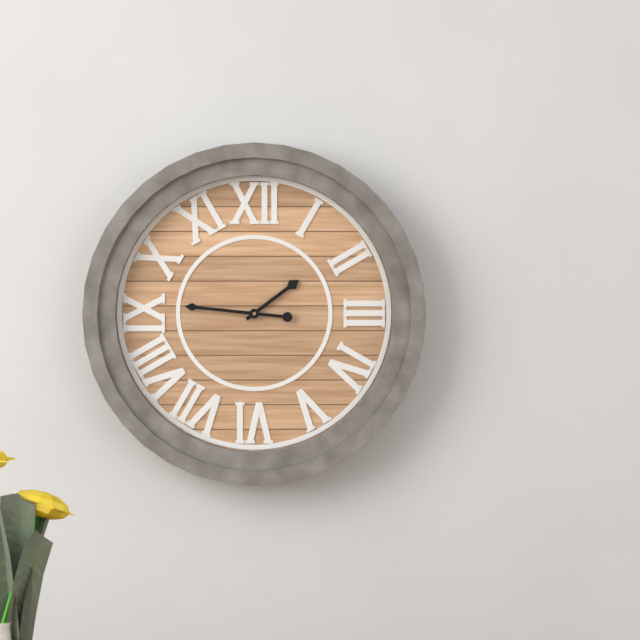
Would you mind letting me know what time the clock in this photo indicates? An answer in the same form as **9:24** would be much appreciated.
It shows **1:46**
